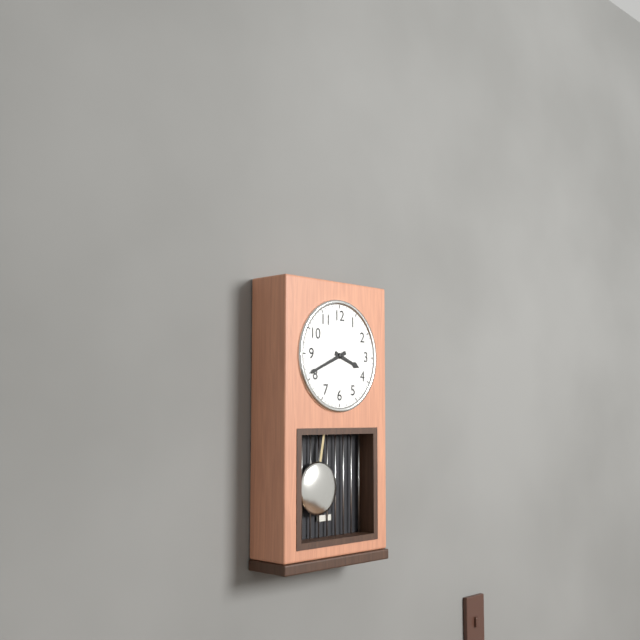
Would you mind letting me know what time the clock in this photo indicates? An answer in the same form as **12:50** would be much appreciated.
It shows **3:41**
